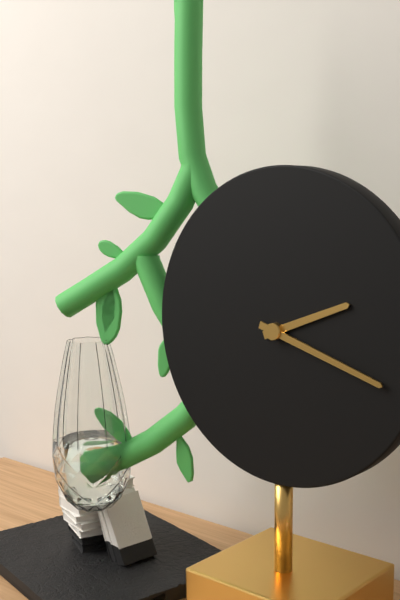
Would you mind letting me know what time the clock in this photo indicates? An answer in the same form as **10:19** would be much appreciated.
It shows **2:18**
